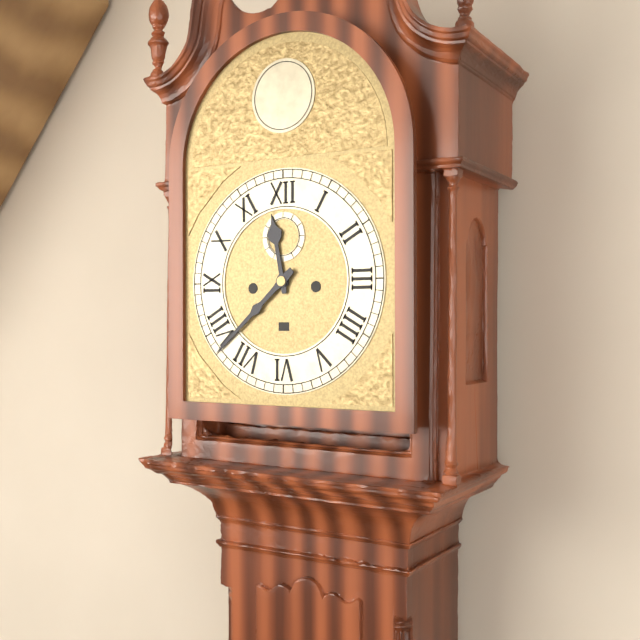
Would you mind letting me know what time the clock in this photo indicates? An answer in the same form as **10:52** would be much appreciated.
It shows **11:38**
